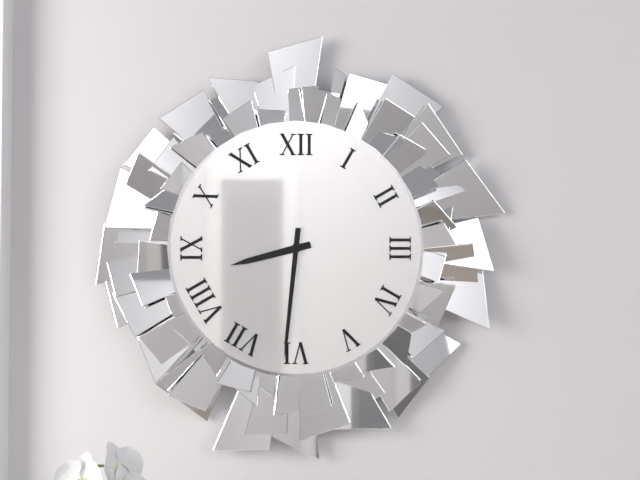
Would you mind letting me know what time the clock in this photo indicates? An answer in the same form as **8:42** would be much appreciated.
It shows **8:31**
